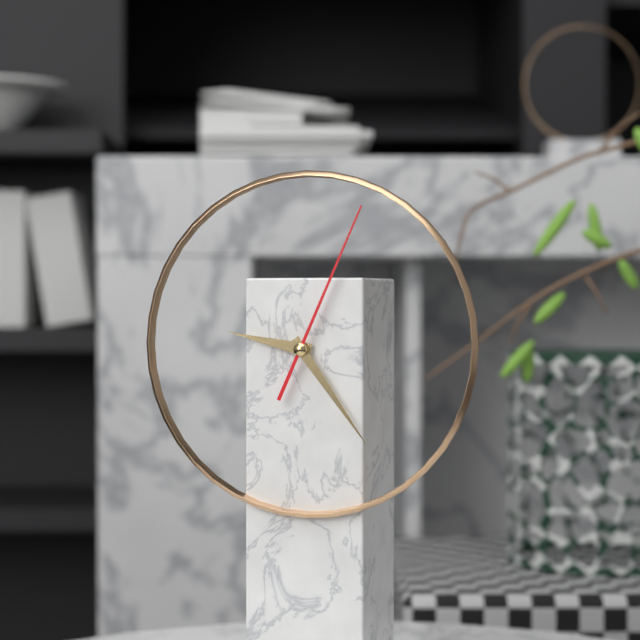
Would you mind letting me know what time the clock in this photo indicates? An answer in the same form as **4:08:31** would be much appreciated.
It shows **9:24:04**
